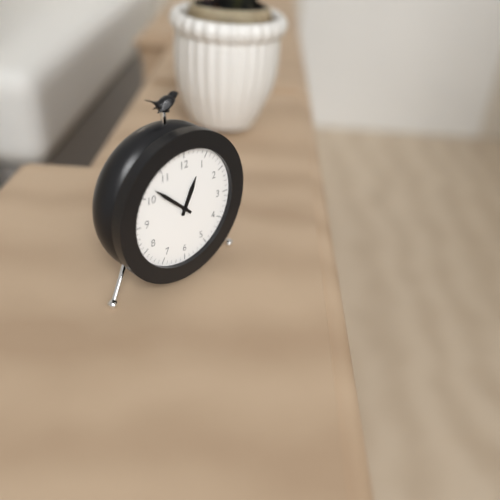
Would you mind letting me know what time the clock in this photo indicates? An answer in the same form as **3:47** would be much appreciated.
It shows **12:52**
